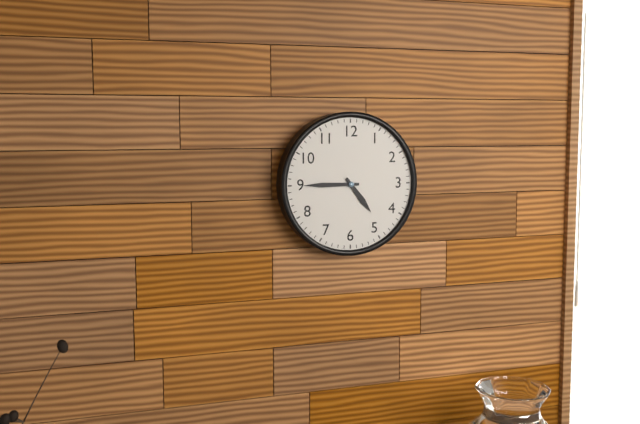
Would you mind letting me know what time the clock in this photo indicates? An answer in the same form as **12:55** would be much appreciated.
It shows **4:45**
